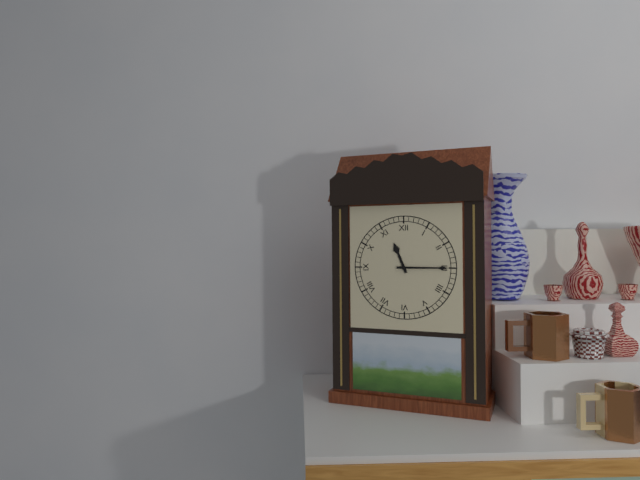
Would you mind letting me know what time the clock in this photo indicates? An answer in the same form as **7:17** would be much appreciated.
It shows **11:15**
